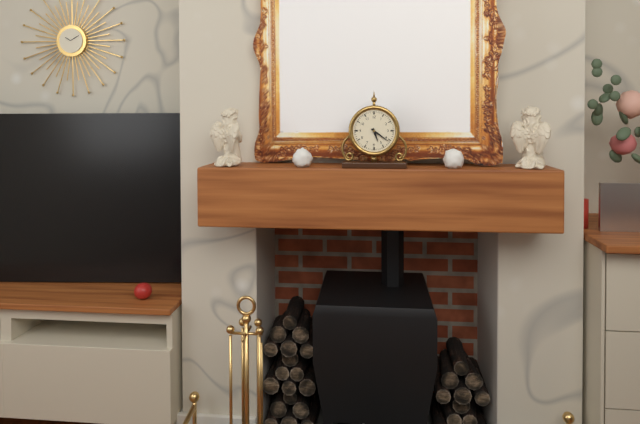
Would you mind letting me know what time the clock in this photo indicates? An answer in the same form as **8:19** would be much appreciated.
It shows **5:21**
